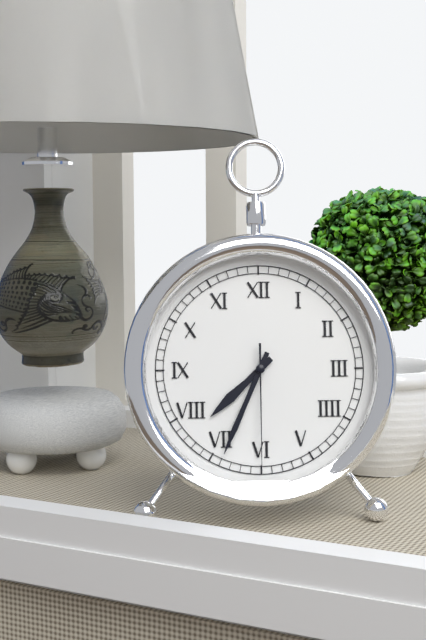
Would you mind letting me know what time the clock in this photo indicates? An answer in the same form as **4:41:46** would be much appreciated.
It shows **7:34:30**
